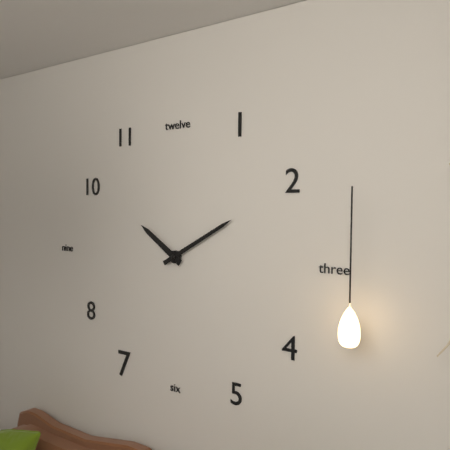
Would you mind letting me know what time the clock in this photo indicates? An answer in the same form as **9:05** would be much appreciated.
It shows **10:10**
